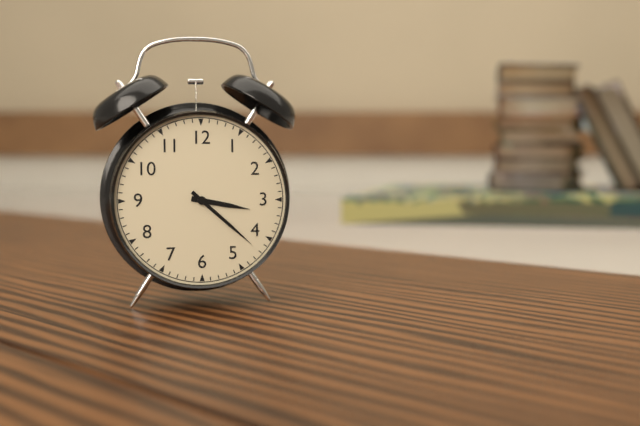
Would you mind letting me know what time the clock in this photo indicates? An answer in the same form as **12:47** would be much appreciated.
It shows **3:22**
